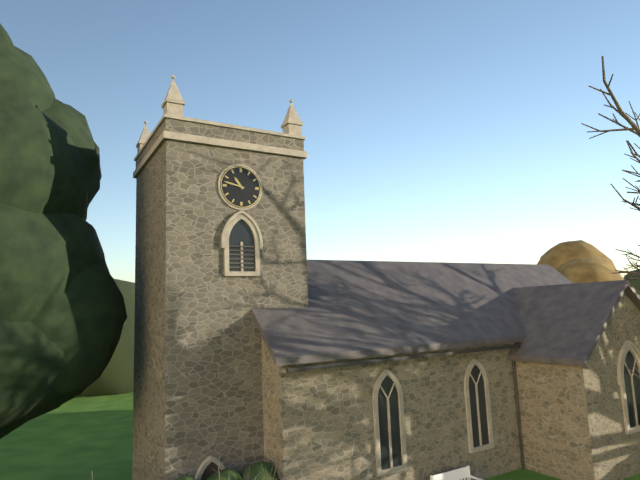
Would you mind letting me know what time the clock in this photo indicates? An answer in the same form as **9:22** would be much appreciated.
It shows **10:47**
